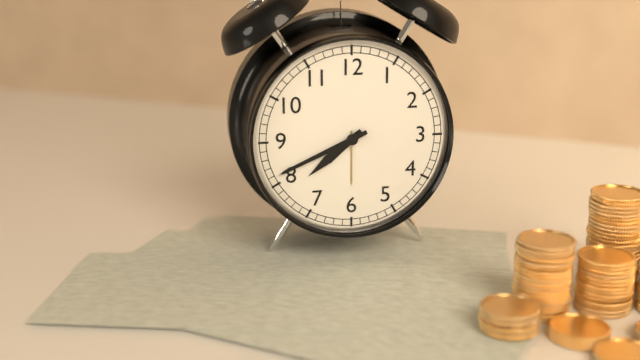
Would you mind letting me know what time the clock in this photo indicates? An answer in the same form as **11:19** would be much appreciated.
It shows **7:41**
